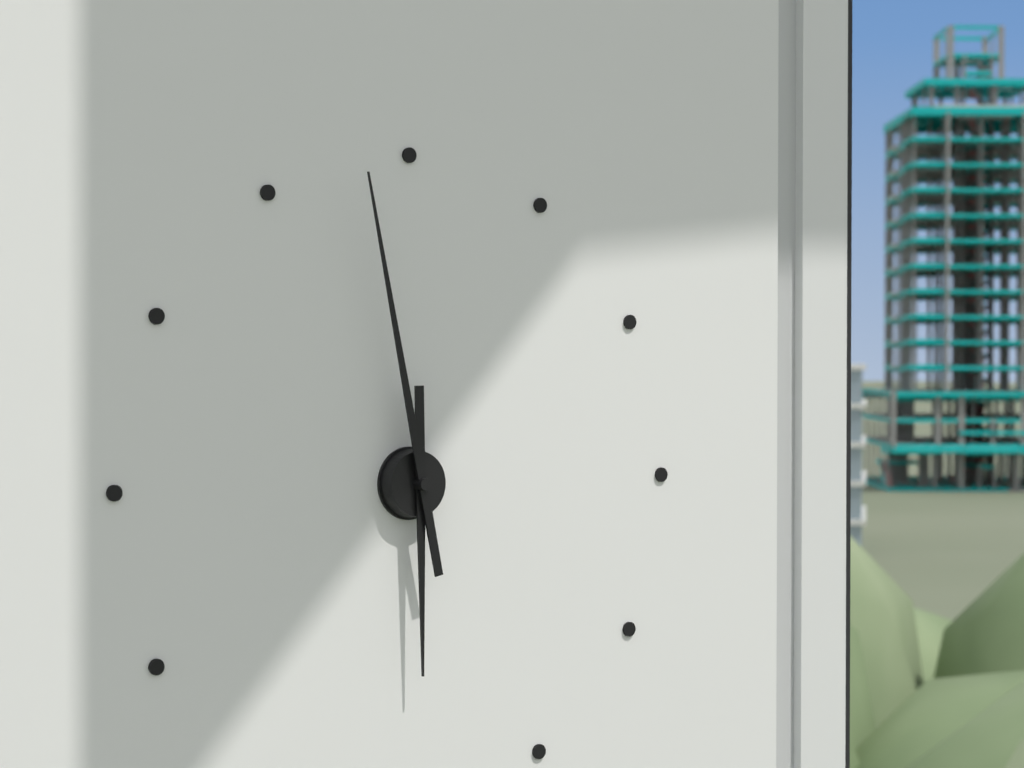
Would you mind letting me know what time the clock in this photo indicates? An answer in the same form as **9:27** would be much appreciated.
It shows **5:58**
